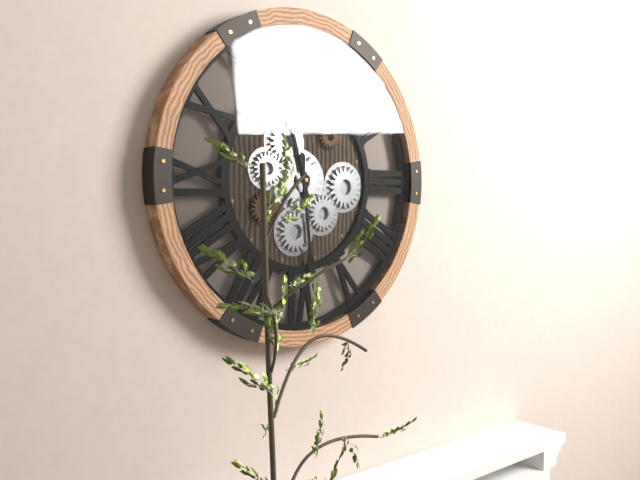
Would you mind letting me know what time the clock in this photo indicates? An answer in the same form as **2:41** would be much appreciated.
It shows **11:29**
